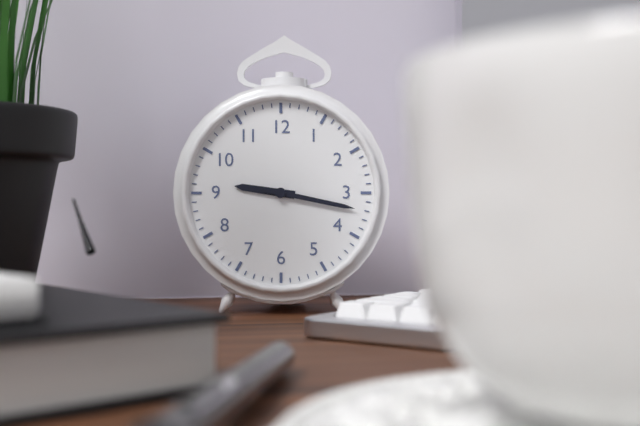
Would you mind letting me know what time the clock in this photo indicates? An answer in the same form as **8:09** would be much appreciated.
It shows **9:17**
